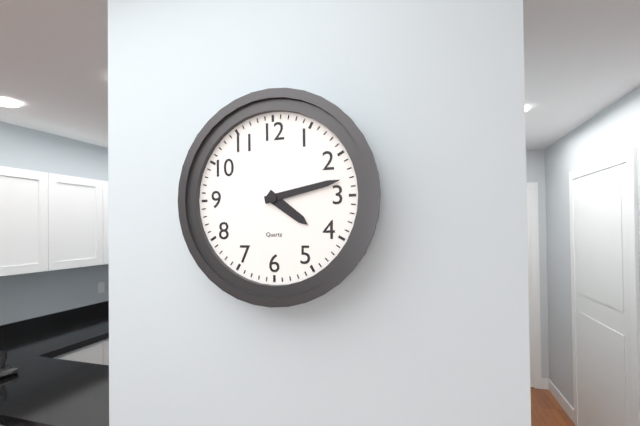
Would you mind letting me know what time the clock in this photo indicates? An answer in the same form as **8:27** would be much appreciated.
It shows **4:13**
